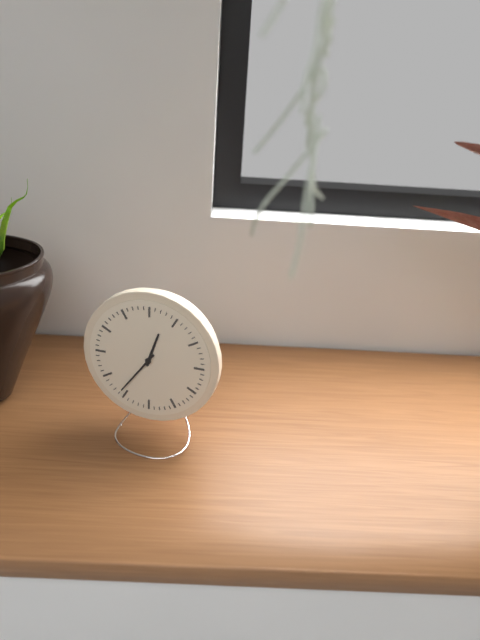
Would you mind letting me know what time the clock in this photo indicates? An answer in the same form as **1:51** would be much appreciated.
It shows **12:36**
